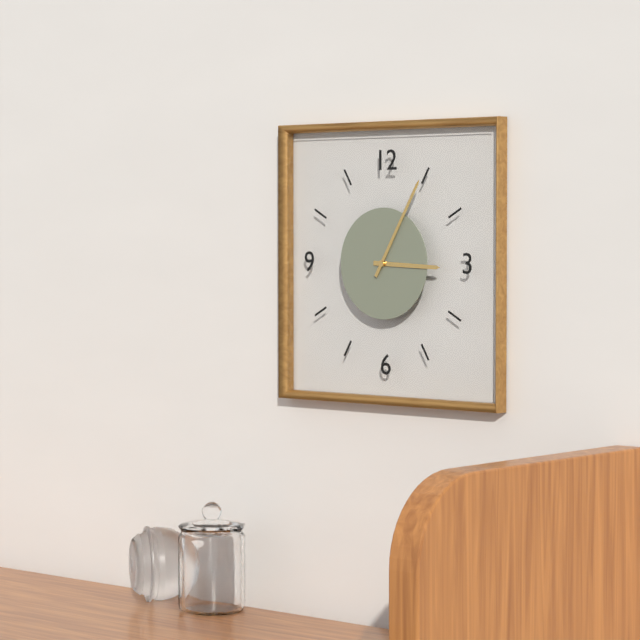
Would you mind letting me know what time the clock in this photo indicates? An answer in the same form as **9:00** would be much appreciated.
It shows **3:05**
